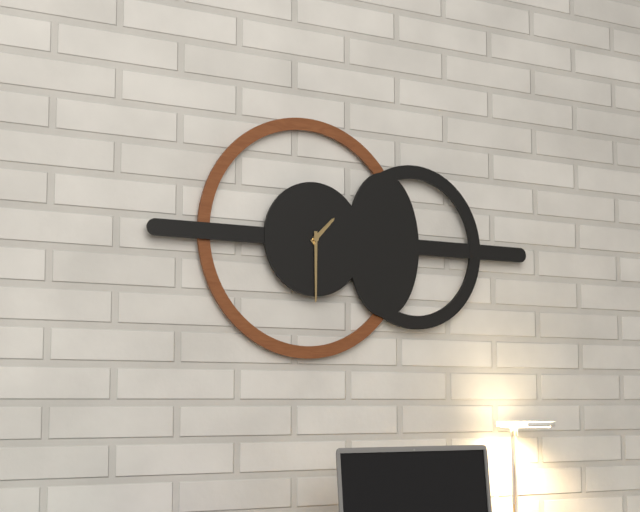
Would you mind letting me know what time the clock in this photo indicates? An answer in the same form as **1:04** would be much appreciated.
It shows **1:30**
